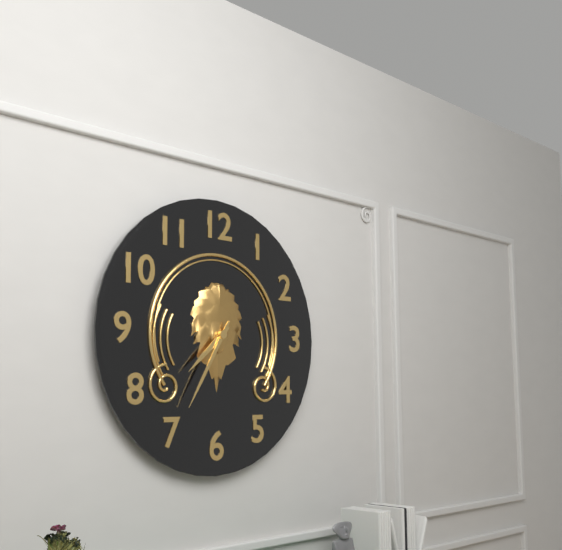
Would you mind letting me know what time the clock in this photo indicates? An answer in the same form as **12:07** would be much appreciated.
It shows **7:35**
